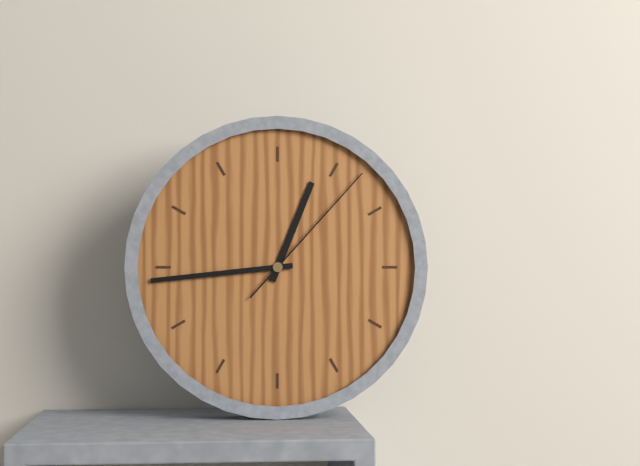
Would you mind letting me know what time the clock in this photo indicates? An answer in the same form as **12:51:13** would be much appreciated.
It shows **12:44:07**
